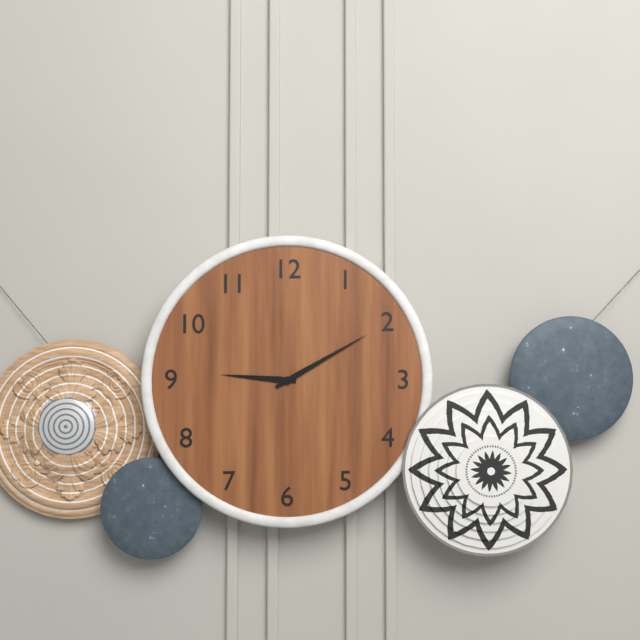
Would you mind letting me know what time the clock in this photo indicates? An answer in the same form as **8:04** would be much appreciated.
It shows **9:10**
